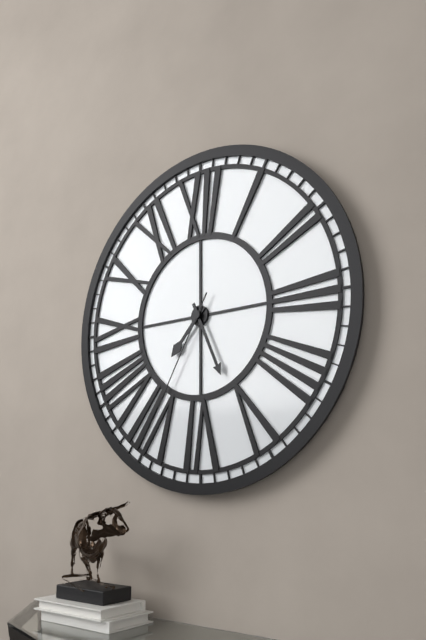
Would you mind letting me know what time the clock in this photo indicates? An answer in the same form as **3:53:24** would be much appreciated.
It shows **7:26:35**
